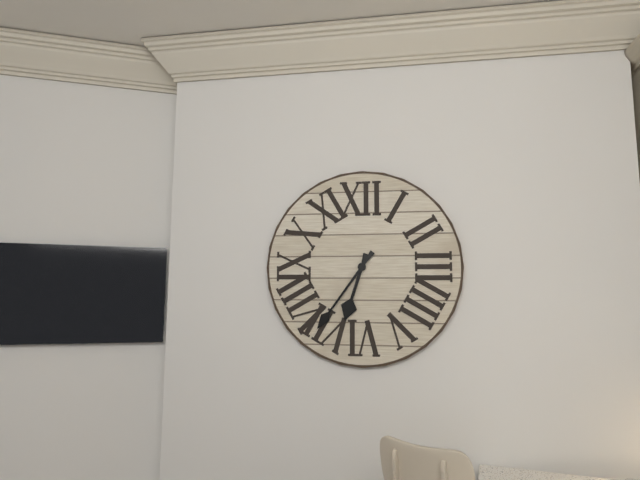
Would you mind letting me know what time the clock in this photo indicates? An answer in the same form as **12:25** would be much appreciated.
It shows **6:36**
